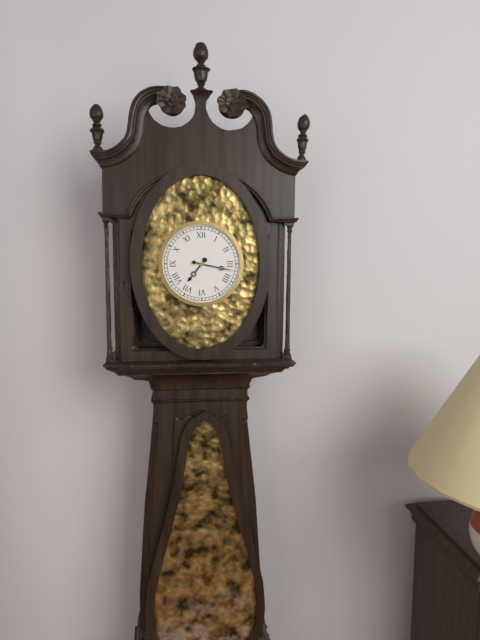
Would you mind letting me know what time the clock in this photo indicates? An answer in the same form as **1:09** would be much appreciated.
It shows **7:17**
